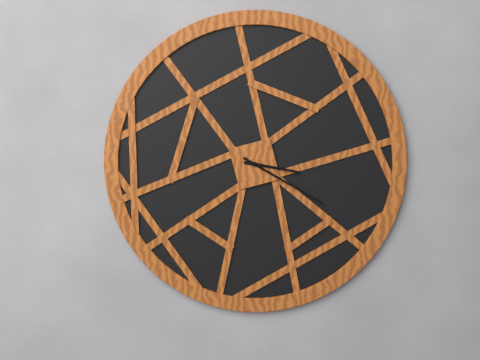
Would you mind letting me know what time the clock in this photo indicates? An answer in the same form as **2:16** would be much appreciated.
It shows **3:20**
